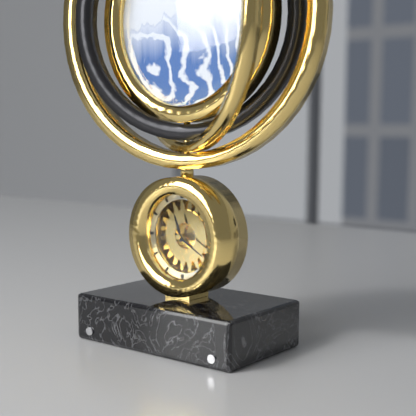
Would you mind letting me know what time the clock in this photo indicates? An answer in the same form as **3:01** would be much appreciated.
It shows **11:20**
